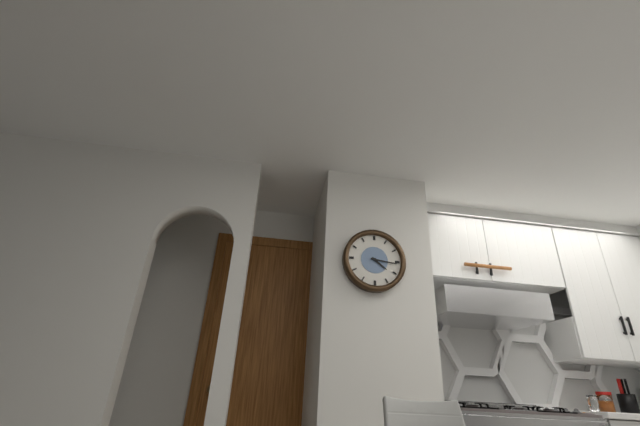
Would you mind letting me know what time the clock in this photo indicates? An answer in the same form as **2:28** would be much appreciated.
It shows **4:16**
